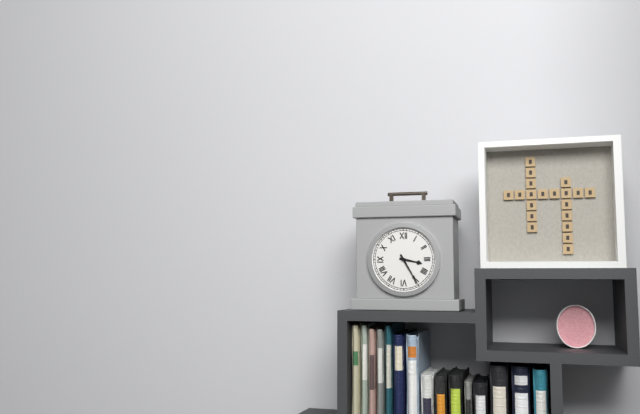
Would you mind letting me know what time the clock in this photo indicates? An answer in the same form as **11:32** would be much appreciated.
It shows **3:25**
